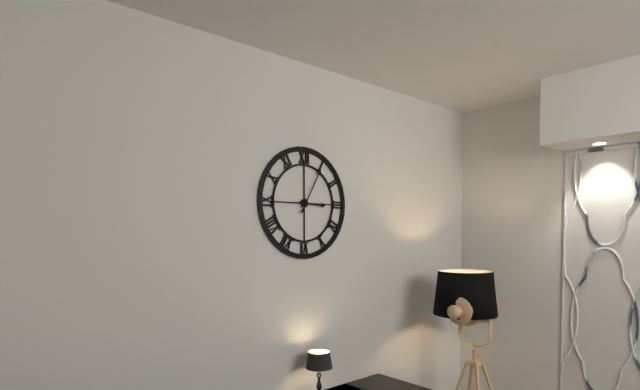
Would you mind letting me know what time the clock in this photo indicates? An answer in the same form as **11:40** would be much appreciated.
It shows **3:05**
